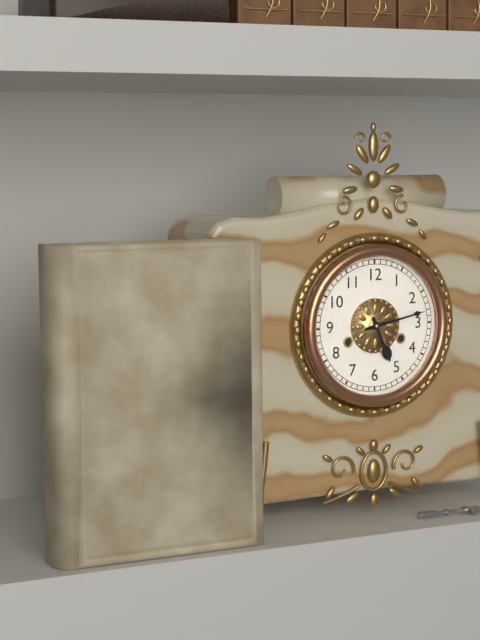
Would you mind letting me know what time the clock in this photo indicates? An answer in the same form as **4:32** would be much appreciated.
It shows **5:13**
